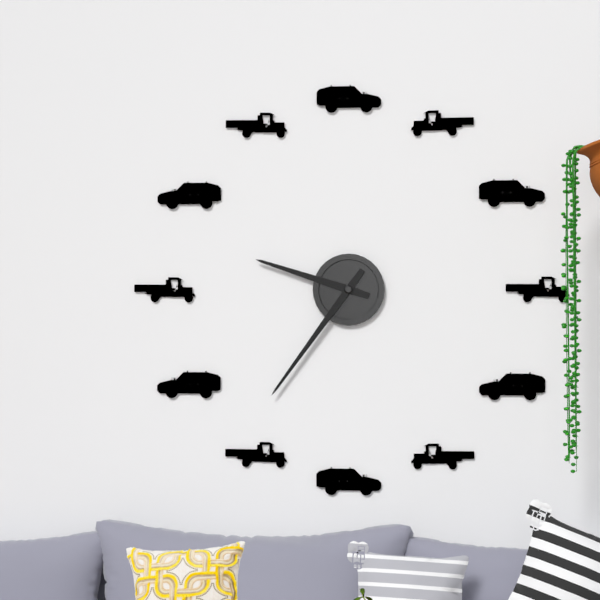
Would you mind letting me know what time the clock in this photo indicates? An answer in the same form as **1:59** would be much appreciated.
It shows **9:36**
